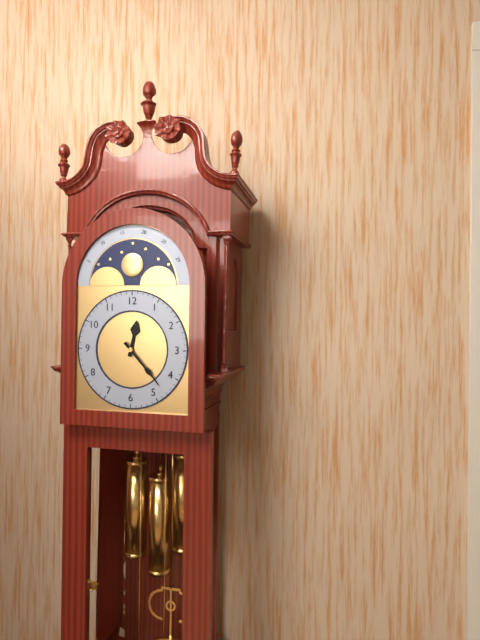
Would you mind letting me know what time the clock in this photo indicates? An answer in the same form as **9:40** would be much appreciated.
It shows **12:23**
